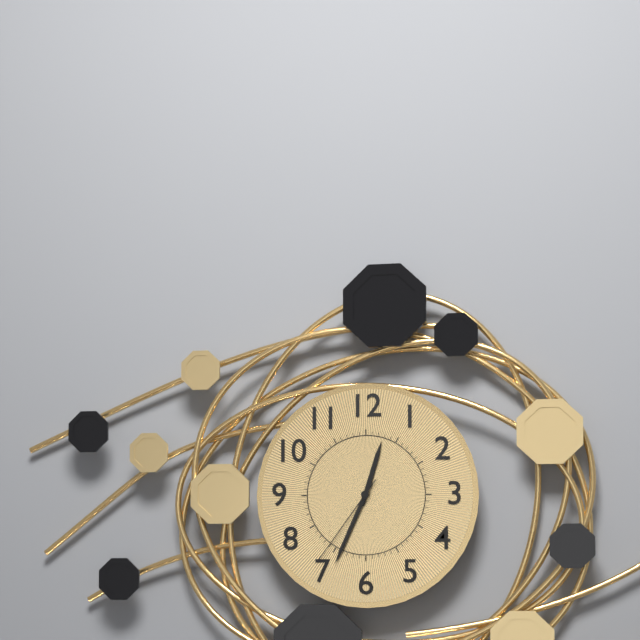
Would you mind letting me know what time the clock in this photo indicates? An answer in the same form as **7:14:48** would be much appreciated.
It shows **12:34:36**
